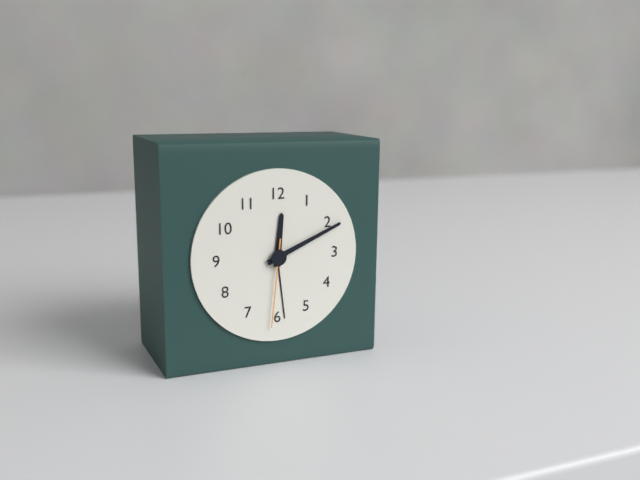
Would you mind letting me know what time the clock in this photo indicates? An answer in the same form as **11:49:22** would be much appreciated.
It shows **12:11:31**
